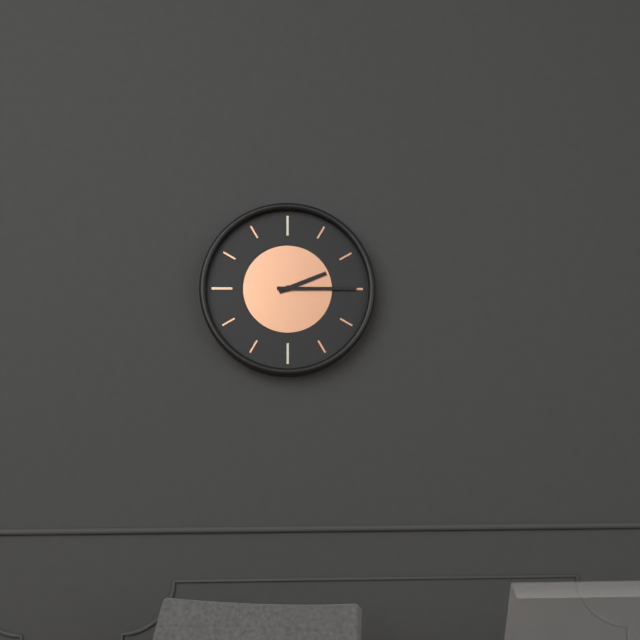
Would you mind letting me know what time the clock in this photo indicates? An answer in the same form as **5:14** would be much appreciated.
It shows **2:15**
